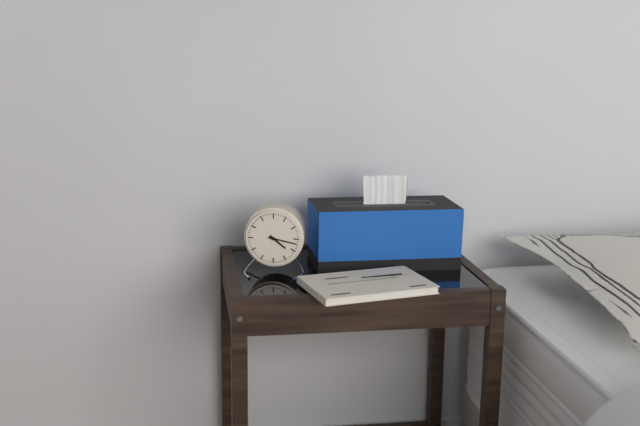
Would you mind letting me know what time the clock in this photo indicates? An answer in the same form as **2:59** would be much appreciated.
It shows **4:17**
